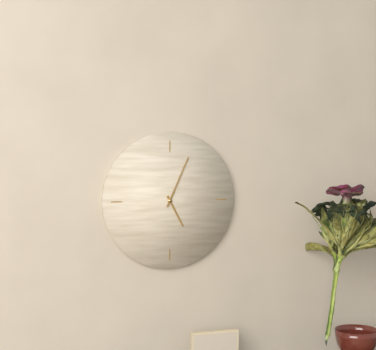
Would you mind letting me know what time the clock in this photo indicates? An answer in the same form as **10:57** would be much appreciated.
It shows **5:04**
